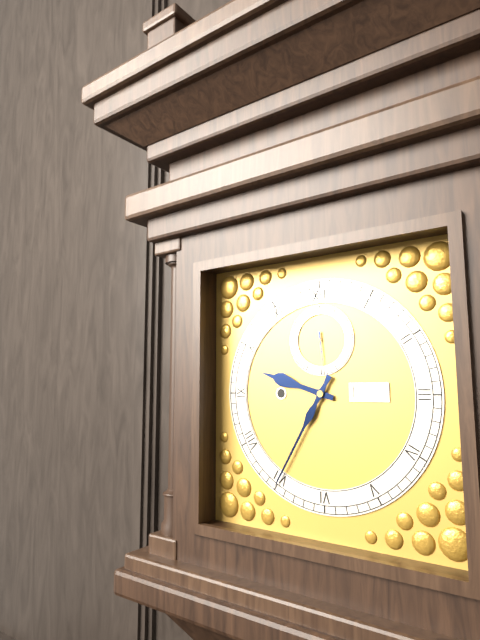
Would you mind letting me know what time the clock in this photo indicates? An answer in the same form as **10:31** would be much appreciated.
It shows **9:35**
